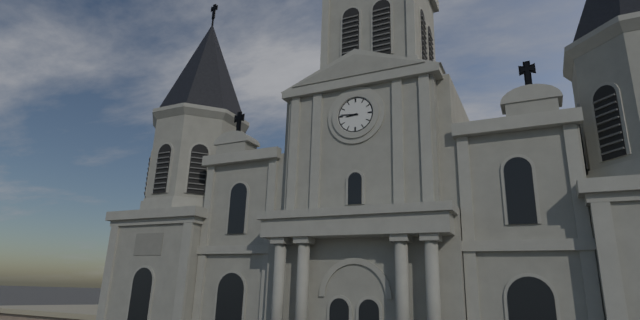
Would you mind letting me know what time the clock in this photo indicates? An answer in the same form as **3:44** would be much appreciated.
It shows **8:46**
